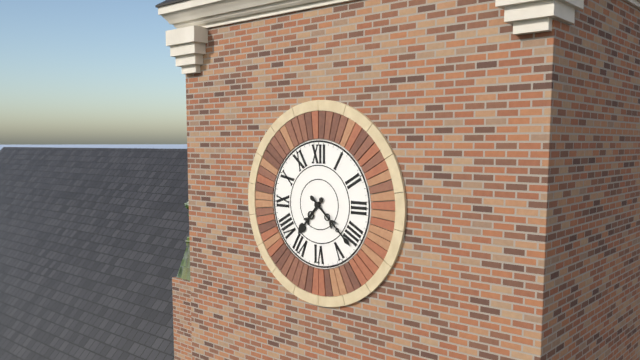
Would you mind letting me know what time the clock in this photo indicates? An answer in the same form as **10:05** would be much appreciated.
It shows **7:22**
